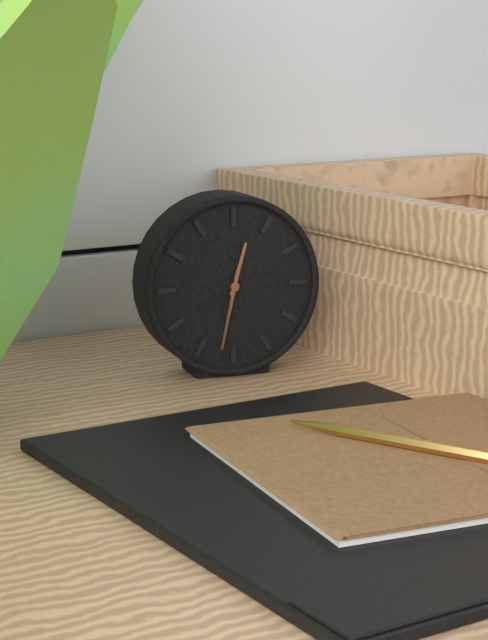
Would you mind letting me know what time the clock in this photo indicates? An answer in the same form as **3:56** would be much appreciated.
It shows **12:32**
